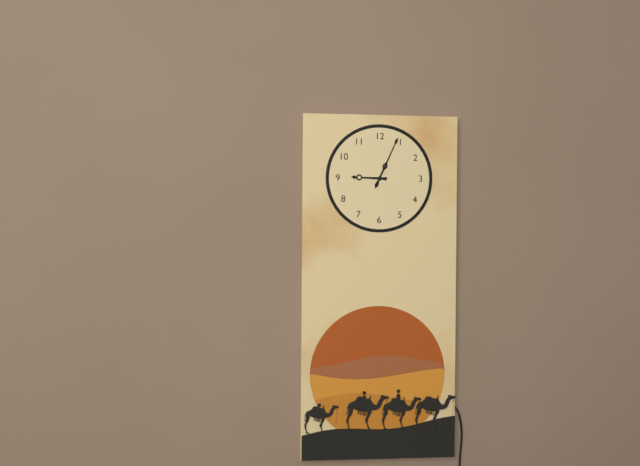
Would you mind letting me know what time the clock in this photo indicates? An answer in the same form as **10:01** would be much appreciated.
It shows **9:04**
